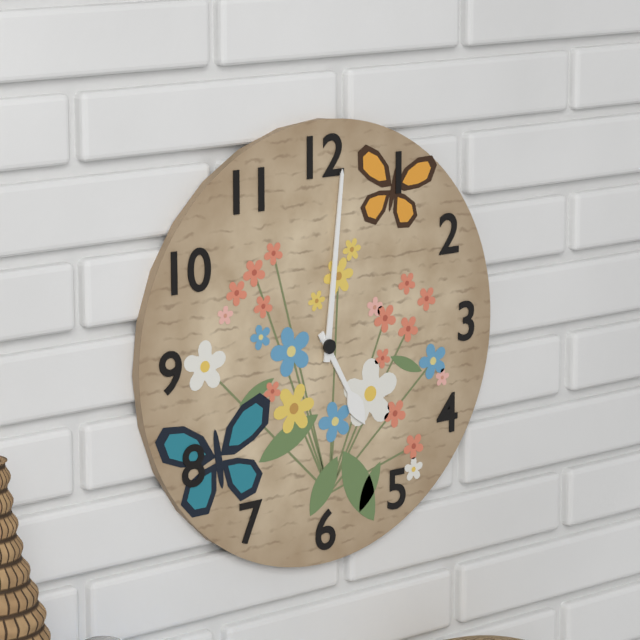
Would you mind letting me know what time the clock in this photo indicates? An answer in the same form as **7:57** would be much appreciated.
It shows **5:01**
